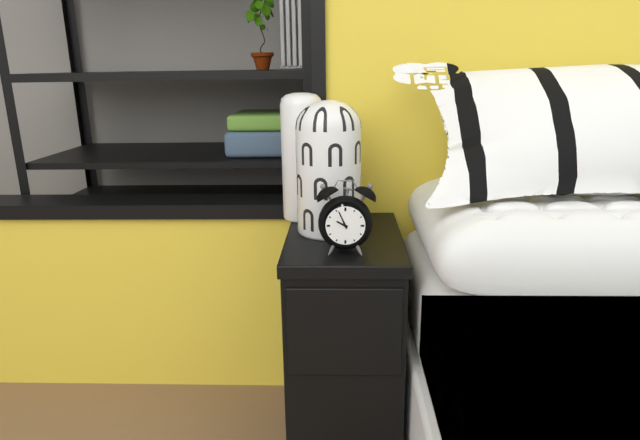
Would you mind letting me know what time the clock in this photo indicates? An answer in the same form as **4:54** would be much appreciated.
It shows **9:56**
